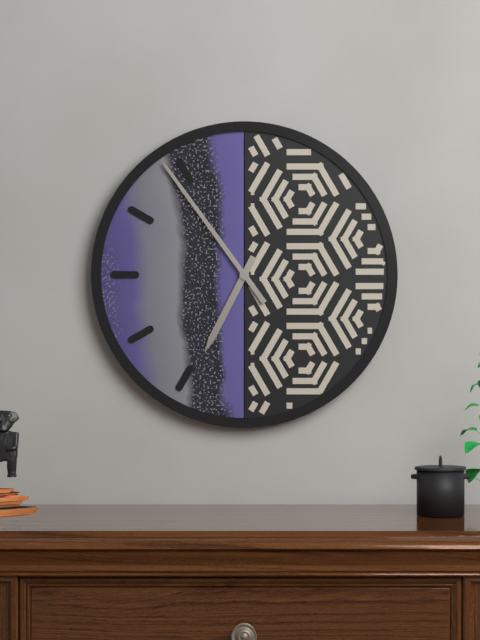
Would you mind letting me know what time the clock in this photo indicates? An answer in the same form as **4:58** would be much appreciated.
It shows **6:54**
